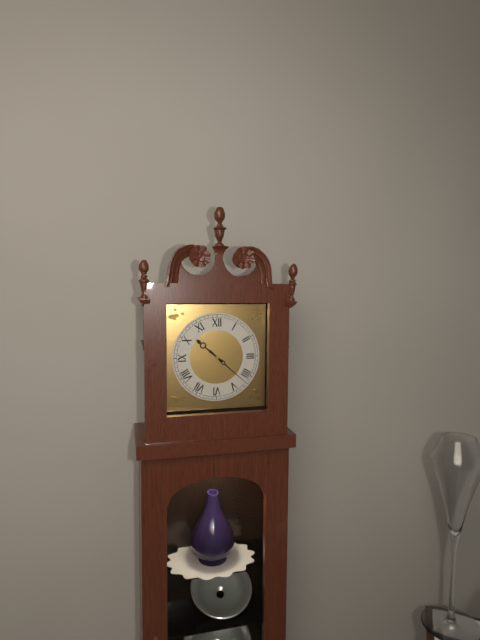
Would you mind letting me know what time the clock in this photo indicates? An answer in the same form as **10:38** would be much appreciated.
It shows **10:22**
